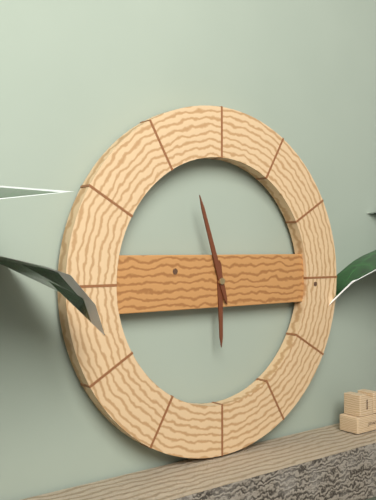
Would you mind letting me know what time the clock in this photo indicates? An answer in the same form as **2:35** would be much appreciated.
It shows **5:57**
